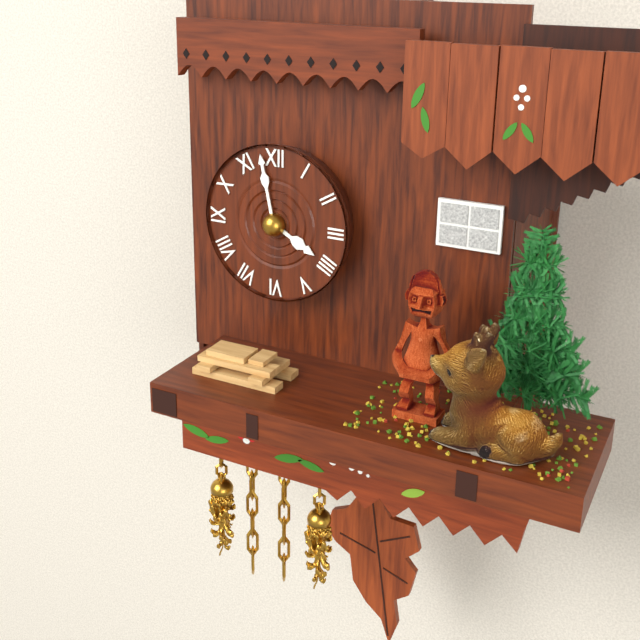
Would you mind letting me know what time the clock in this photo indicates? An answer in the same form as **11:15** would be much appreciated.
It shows **3:58**
